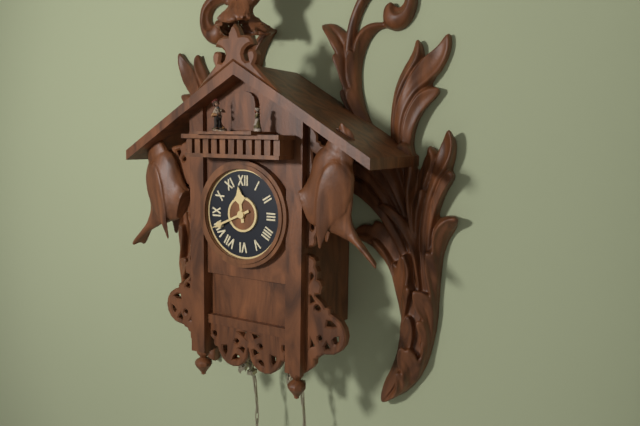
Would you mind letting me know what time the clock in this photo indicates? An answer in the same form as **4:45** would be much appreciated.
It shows **11:41**
